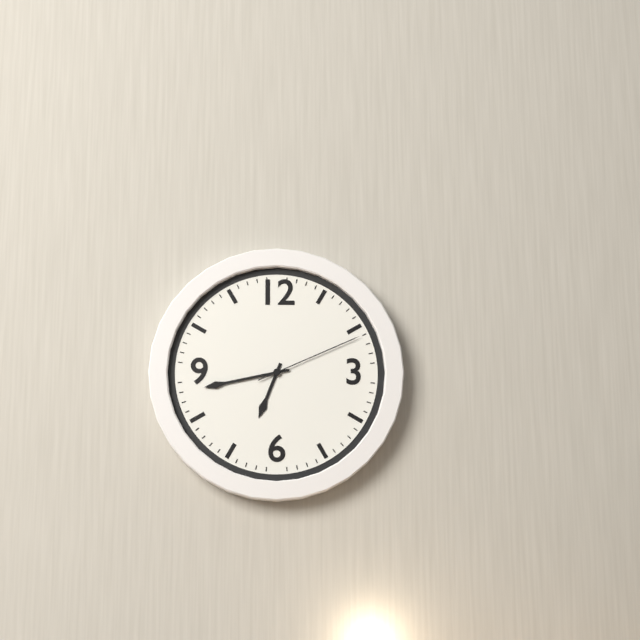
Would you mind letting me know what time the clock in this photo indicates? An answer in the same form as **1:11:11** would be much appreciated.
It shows **6:43:11**
